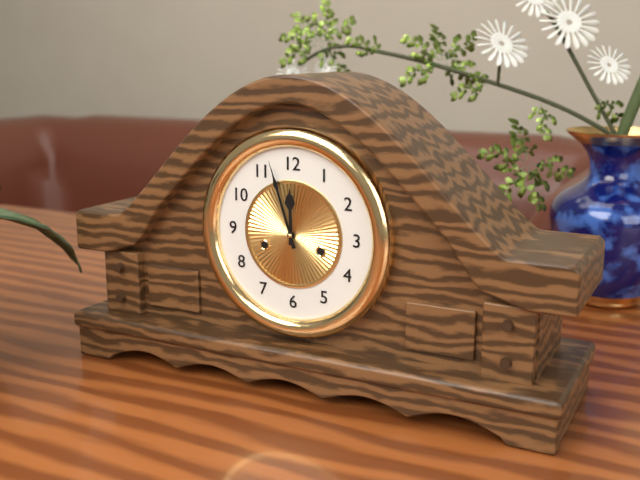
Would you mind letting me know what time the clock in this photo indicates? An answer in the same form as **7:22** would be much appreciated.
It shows **11:57**
